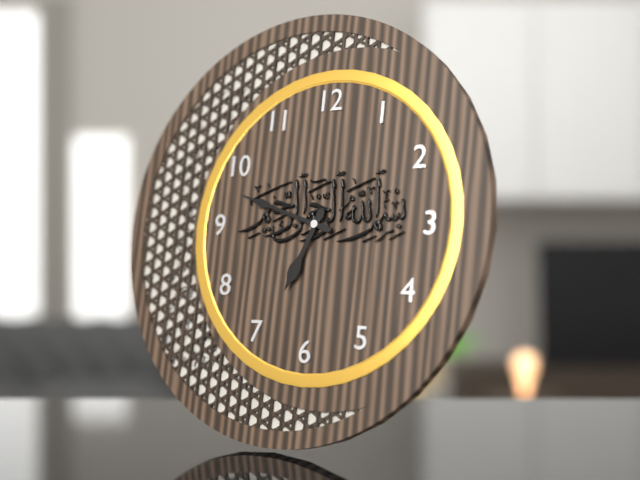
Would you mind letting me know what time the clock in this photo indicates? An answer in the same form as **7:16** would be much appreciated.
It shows **6:48**
